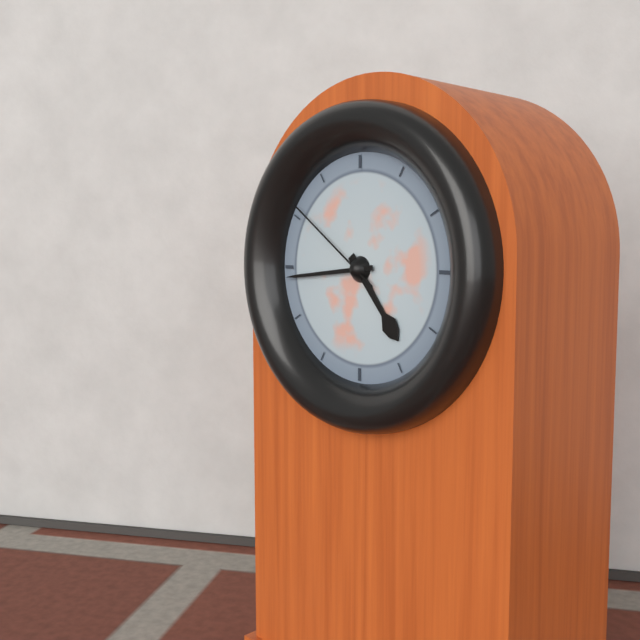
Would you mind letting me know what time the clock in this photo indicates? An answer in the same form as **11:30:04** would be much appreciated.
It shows **4:44:51**
